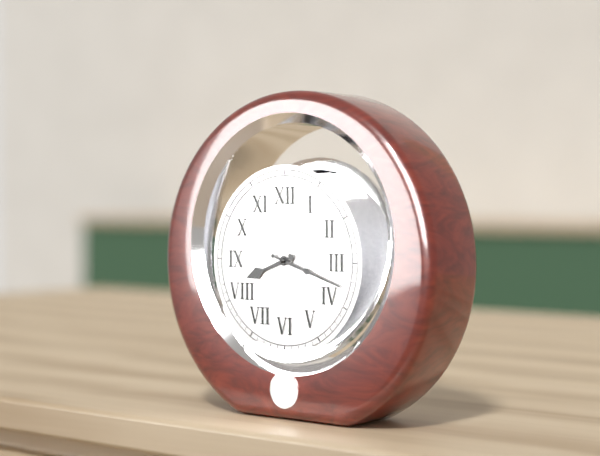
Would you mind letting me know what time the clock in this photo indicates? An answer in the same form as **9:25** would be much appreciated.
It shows **8:18**
